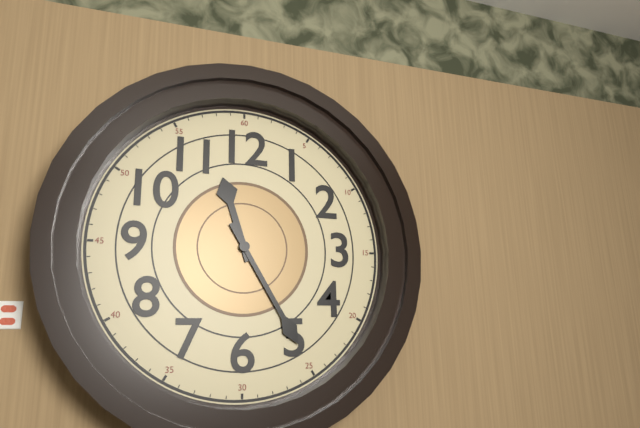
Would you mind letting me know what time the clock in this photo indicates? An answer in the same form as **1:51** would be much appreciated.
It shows **11:25**
